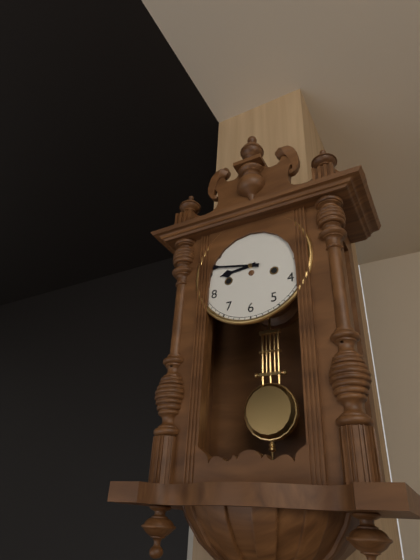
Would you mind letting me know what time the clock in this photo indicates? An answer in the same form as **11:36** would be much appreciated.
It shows **8:47**
